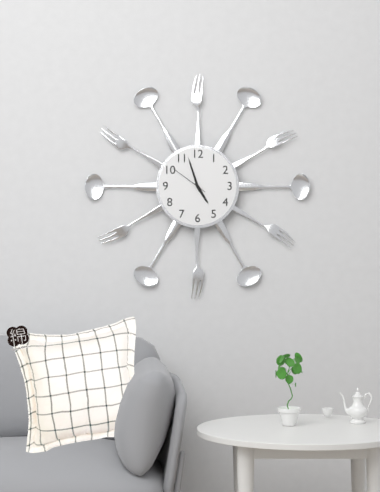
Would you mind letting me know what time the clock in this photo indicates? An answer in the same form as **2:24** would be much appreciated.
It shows **4:57**
